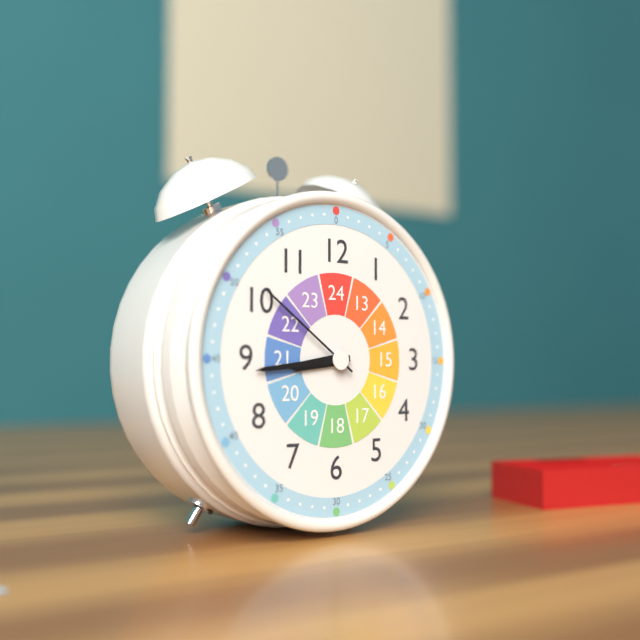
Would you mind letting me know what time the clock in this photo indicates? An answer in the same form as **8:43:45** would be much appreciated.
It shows **8:44:51**
